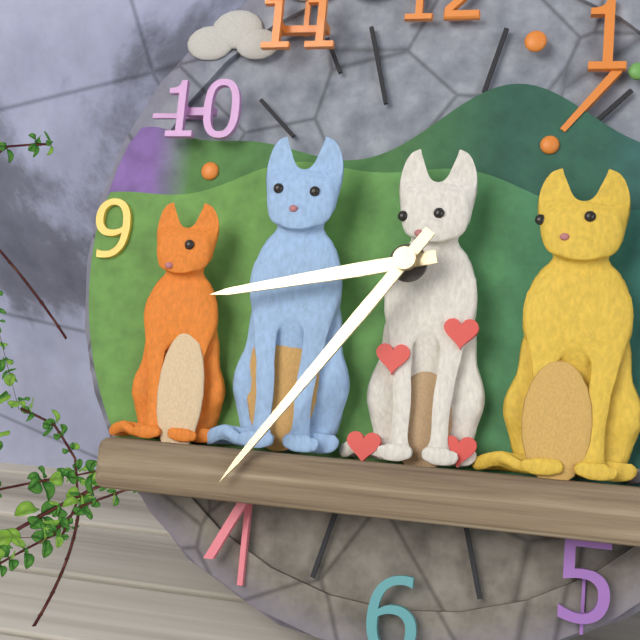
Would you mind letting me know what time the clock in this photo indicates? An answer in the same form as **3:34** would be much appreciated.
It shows **8:36**
